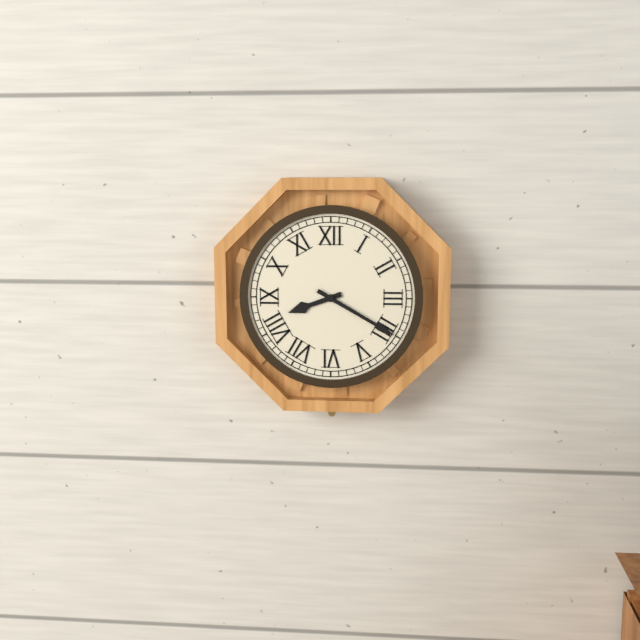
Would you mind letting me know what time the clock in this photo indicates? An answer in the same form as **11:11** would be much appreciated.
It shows **8:20**
